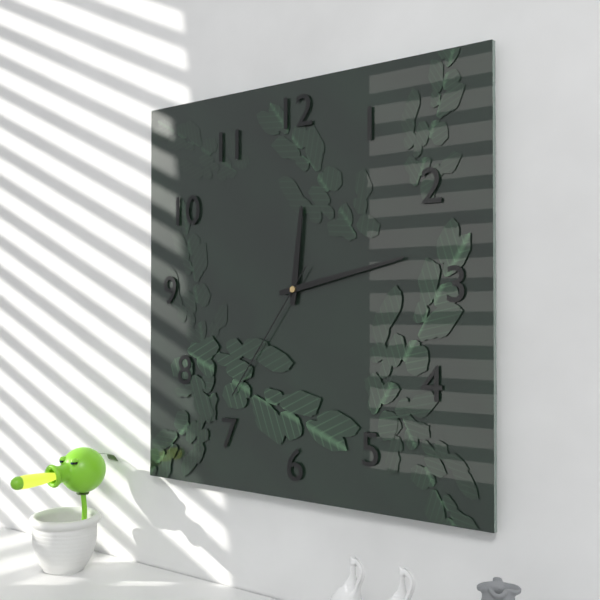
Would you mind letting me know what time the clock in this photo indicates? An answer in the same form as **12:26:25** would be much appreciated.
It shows **12:13:36**
